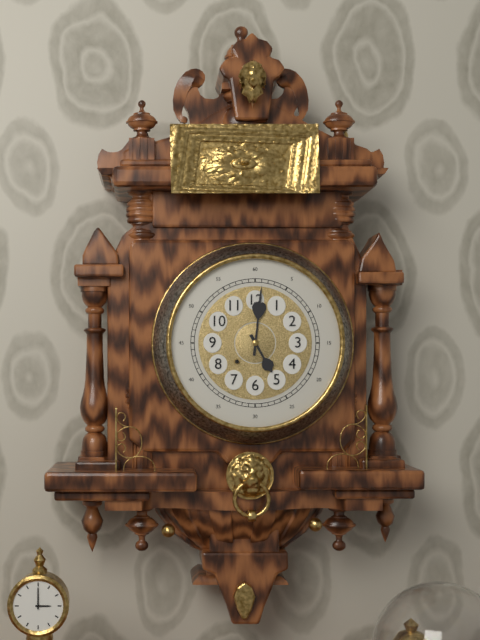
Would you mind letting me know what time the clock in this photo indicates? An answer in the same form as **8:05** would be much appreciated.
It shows **5:01**
